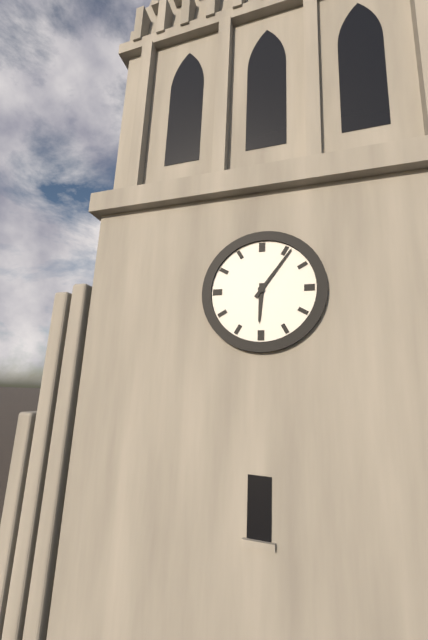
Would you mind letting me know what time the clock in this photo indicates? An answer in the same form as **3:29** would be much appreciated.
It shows **6:06**
